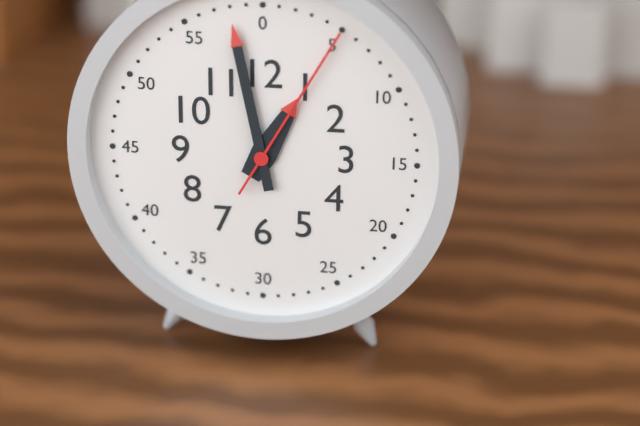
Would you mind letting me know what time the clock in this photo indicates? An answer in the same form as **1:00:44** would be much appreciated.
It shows **12:58:05**
